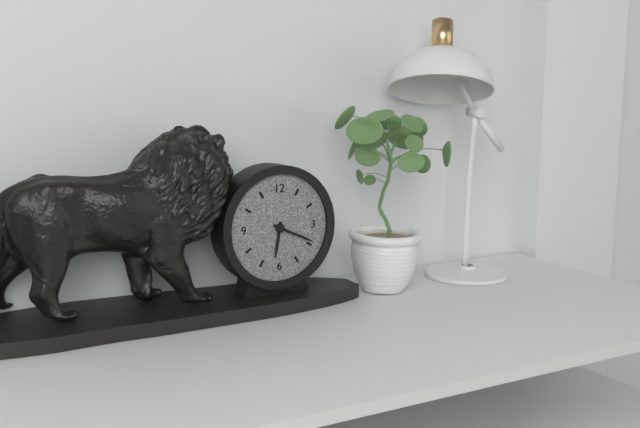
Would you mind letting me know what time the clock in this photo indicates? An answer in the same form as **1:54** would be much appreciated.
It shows **6:19**
